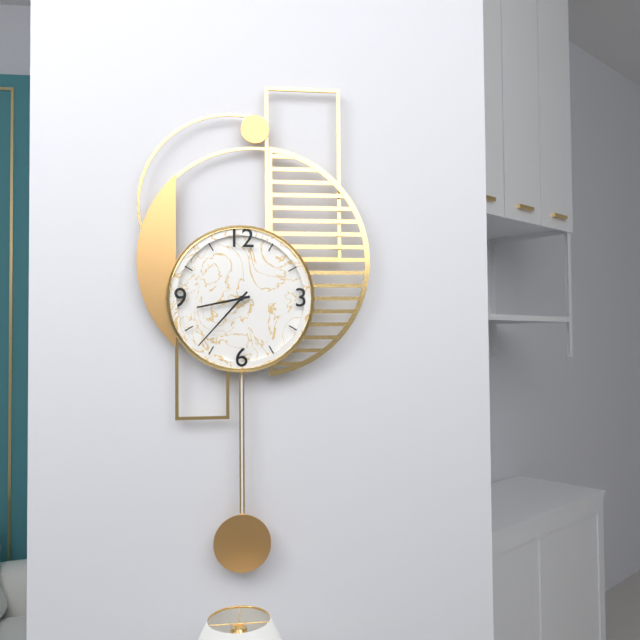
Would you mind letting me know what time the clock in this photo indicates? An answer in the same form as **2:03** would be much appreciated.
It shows **8:37**
